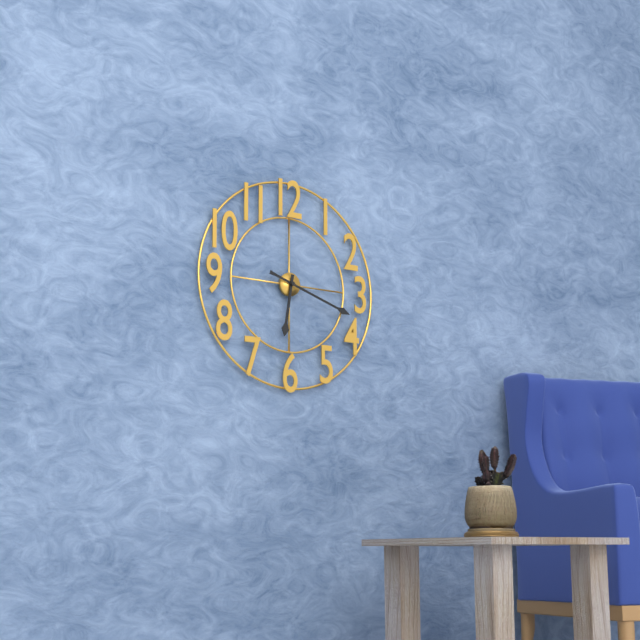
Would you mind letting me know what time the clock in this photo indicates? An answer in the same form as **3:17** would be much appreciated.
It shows **6:18**
